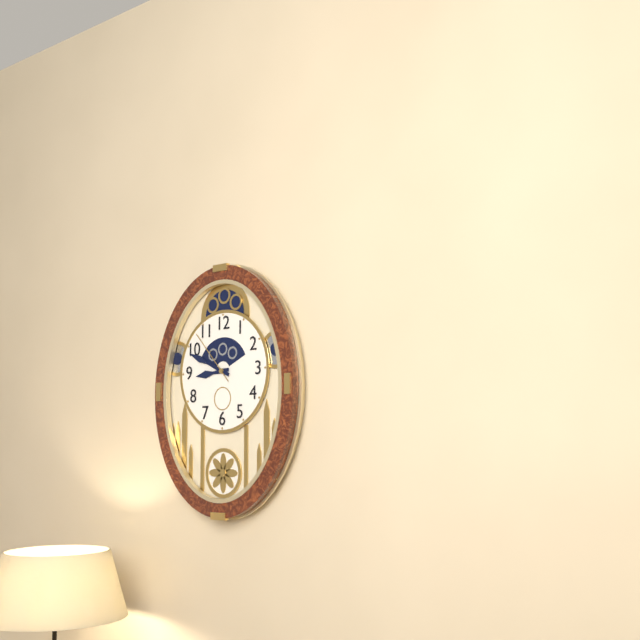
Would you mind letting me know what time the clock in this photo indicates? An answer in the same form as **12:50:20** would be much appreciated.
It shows **8:49:53**
